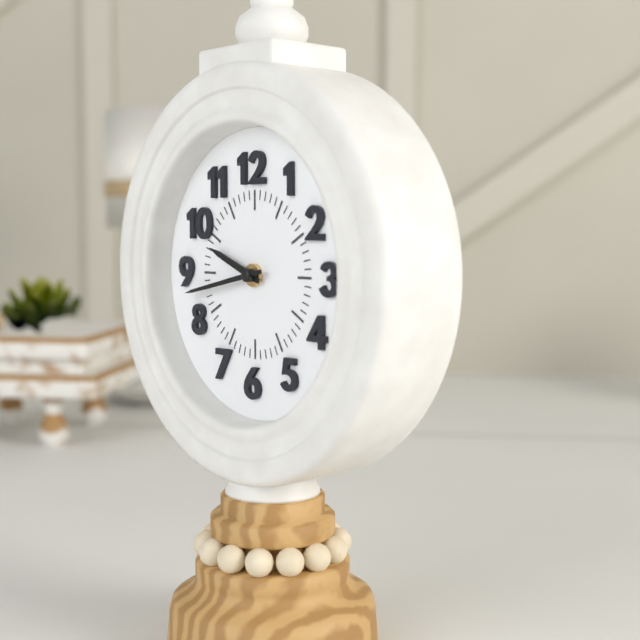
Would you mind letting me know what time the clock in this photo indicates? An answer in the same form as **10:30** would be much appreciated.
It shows **9:43**
